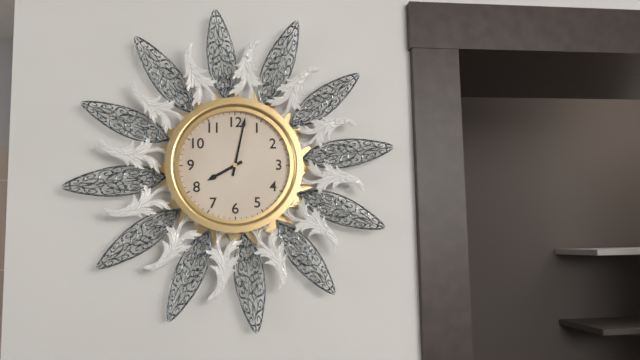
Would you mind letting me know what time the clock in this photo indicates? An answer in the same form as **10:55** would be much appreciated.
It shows **8:02**
